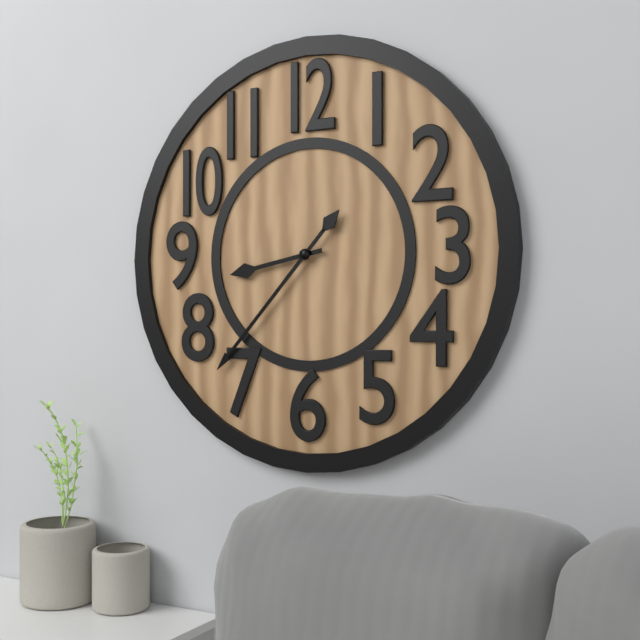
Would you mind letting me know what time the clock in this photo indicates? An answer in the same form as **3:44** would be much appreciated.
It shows **8:37**
